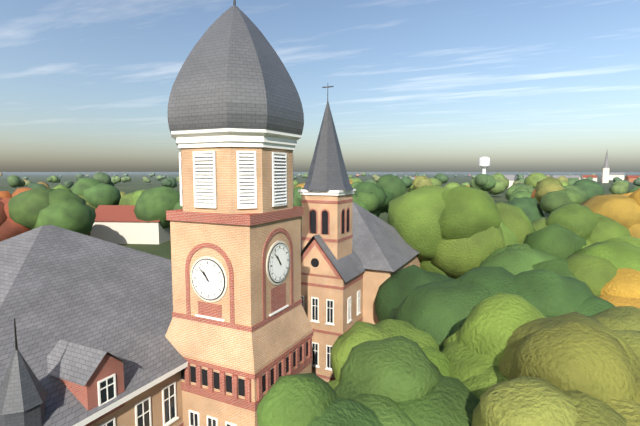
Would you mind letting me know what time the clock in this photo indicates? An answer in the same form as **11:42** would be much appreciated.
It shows **10:53**
